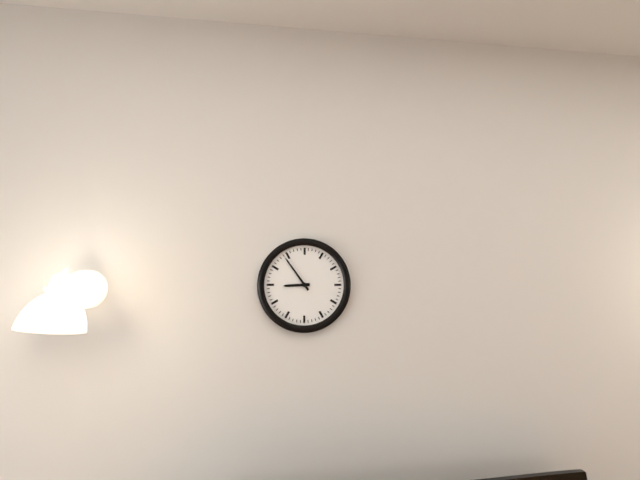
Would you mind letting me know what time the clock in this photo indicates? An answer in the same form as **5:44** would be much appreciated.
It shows **8:54**
